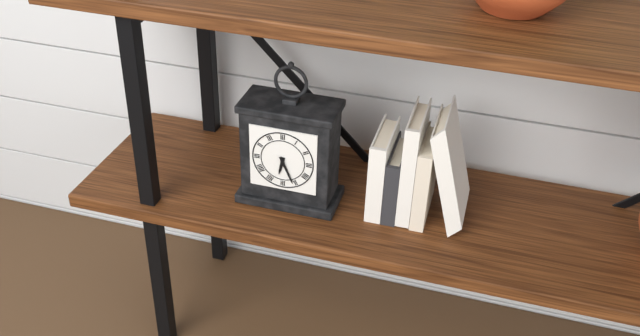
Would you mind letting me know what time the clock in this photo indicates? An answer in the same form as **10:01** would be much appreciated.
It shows **6:26**
